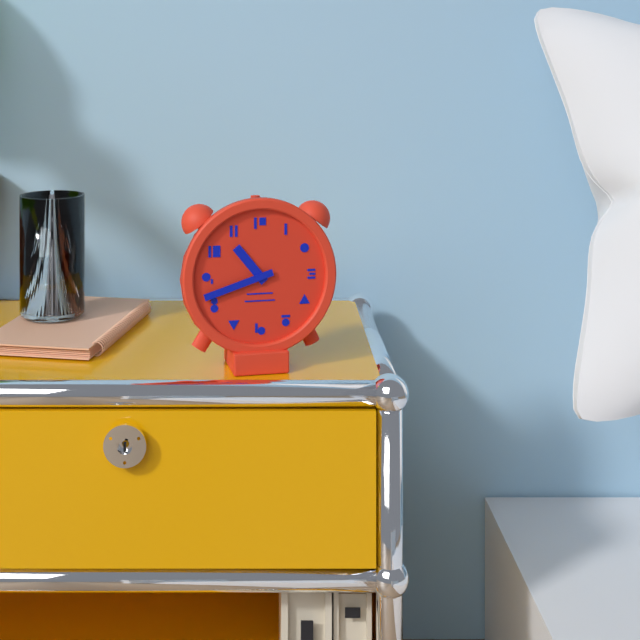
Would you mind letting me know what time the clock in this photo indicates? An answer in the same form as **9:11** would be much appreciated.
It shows **10:42**
